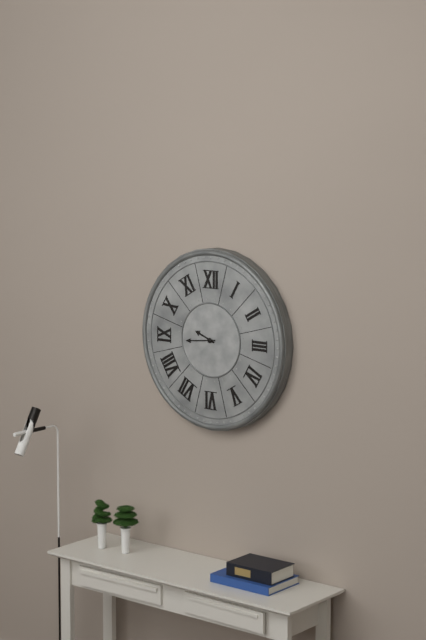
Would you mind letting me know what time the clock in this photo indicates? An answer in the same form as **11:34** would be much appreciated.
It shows **9:44**
